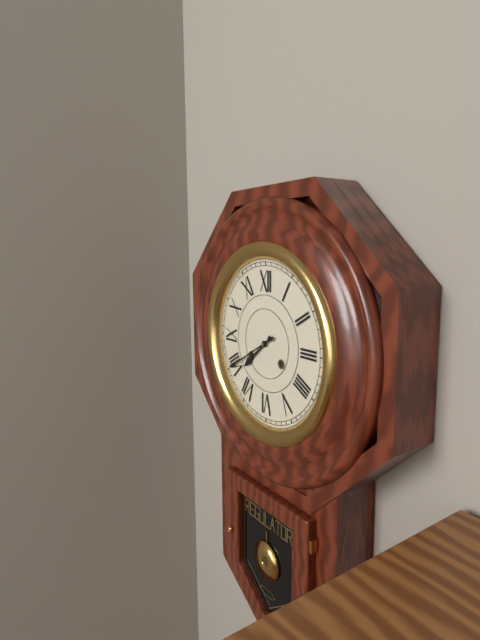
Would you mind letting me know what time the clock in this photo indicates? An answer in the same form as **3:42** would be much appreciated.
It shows **7:40**
